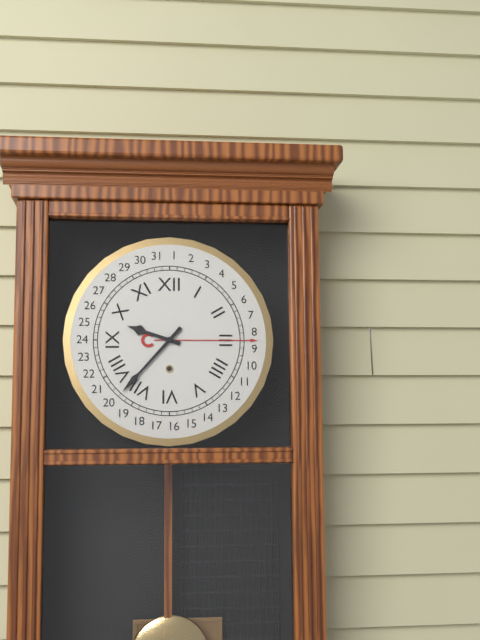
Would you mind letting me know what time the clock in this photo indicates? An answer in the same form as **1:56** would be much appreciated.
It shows **9:37**
